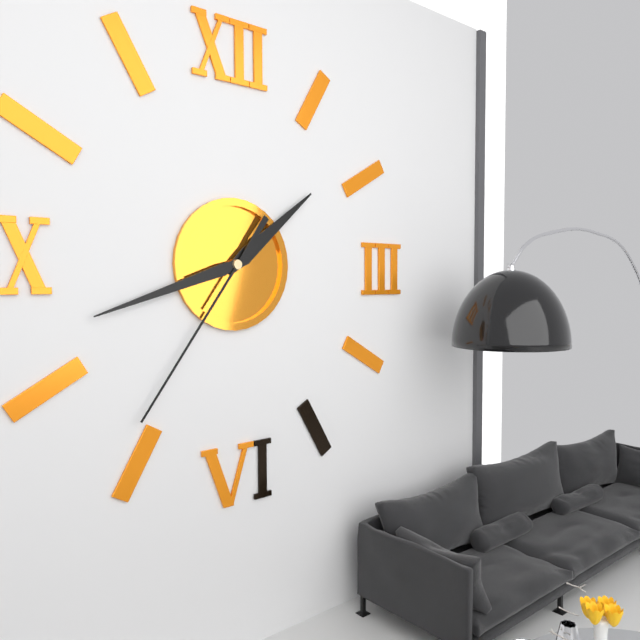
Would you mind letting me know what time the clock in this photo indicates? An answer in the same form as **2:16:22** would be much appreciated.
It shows **1:42:36**
